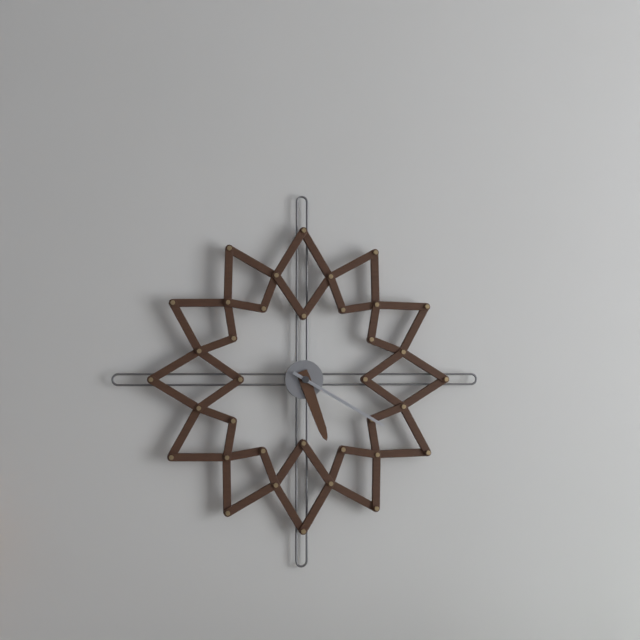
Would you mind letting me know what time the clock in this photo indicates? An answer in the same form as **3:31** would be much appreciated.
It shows **5:20**
